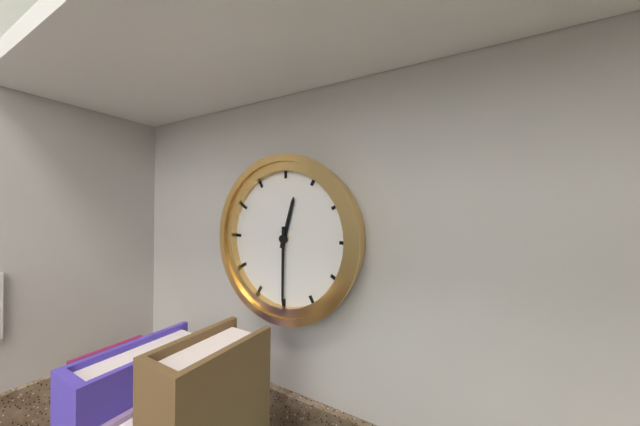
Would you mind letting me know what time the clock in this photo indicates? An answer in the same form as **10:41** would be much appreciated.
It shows **12:30**
